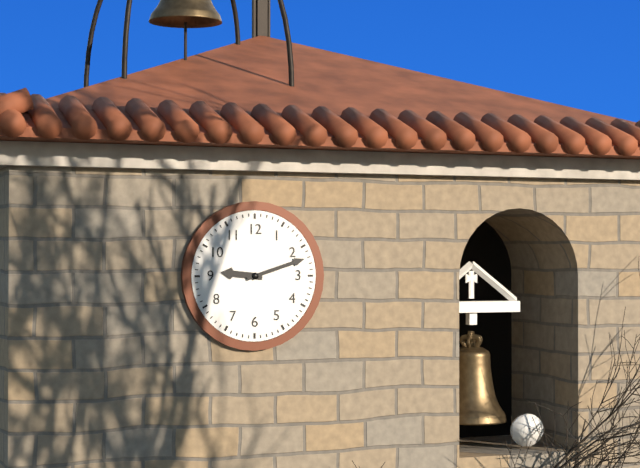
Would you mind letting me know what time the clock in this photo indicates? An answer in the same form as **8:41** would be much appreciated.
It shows **9:12**
